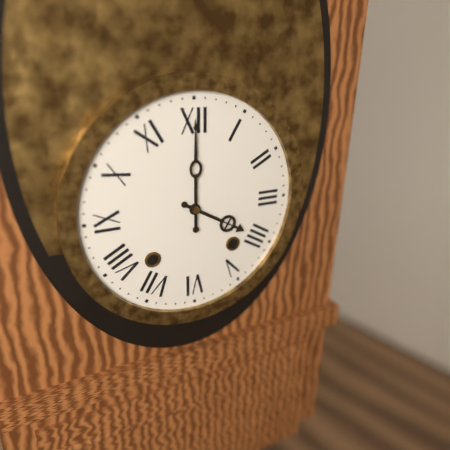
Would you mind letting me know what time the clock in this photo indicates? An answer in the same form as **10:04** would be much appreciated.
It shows **4:00**
